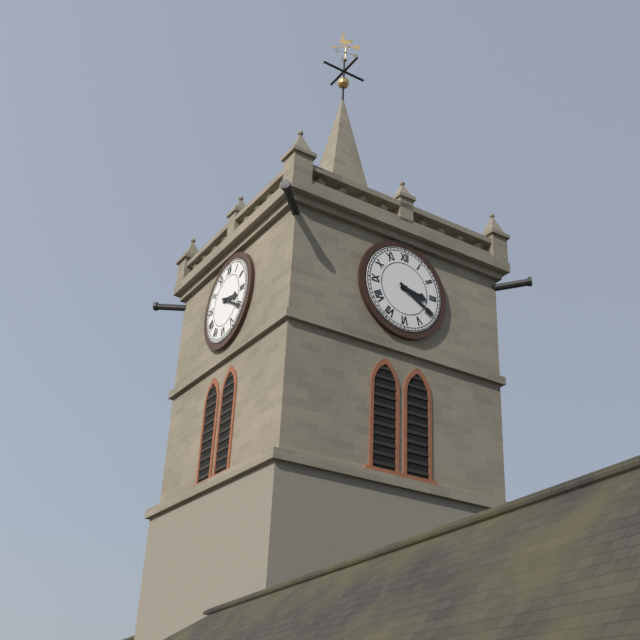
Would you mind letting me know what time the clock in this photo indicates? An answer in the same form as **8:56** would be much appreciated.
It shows **3:20**
